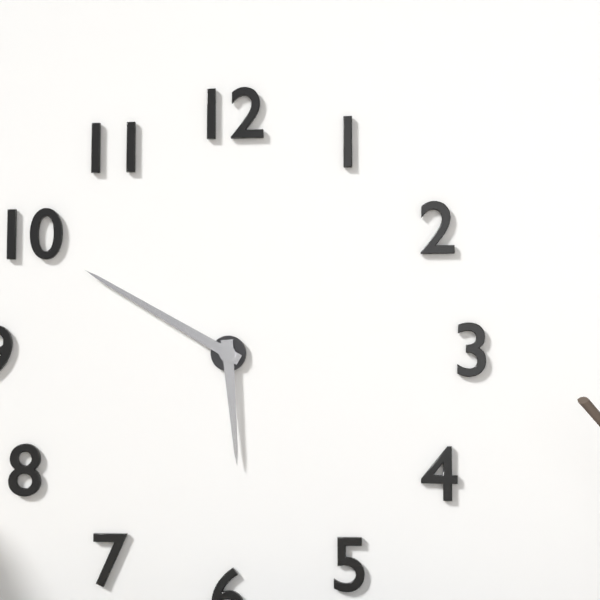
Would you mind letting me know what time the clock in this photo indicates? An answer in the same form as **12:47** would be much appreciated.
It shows **5:50**
